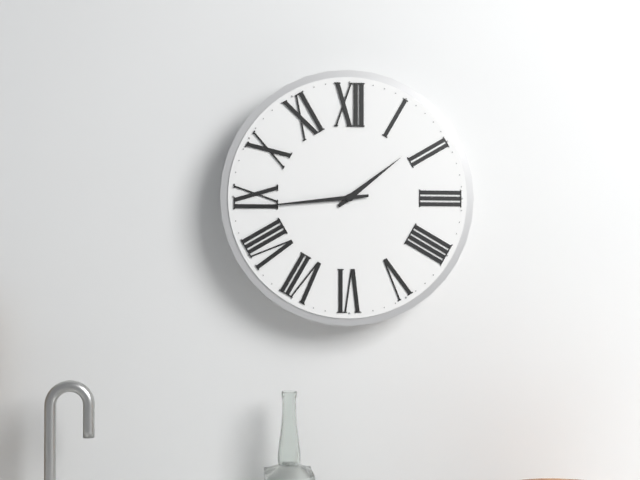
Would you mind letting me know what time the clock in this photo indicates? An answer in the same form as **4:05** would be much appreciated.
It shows **1:44**
